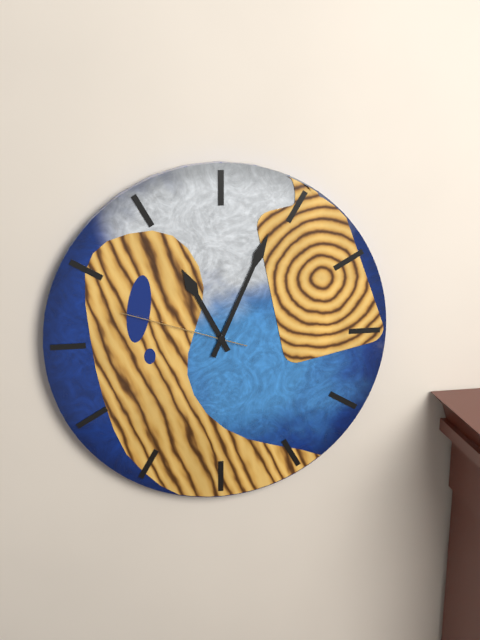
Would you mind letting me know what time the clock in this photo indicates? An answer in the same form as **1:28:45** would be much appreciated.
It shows **11:04:48**
